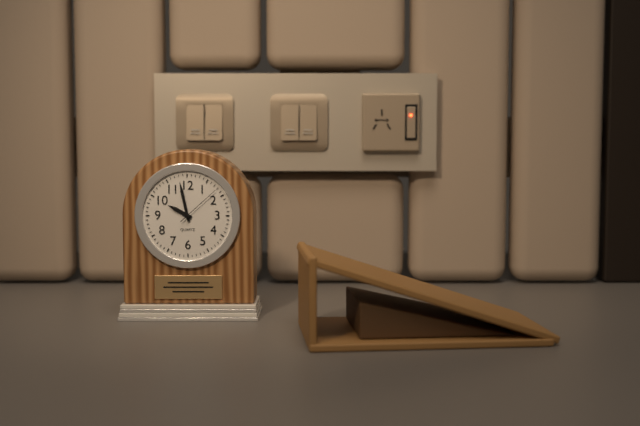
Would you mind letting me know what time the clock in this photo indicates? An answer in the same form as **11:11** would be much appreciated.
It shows **9:58**
